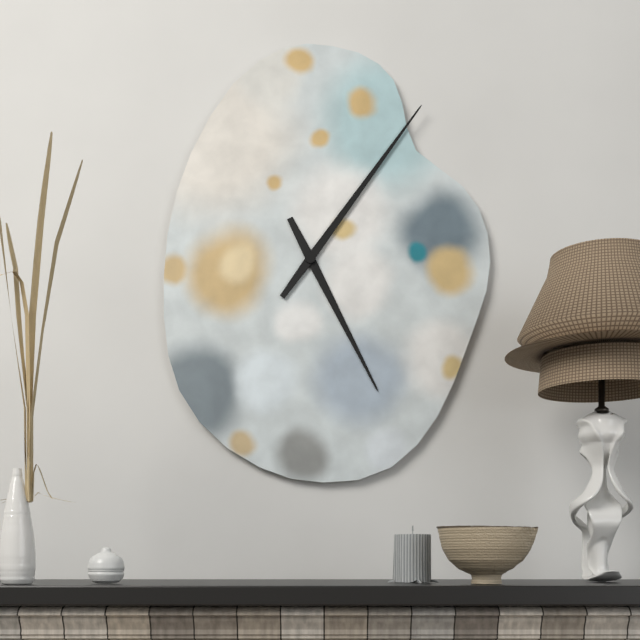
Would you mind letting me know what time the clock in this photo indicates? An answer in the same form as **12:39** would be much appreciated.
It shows **5:06**
